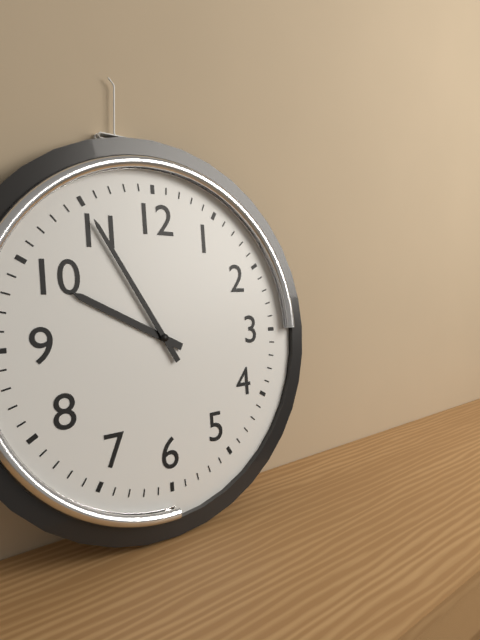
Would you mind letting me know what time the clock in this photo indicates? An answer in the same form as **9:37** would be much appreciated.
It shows **9:55**
